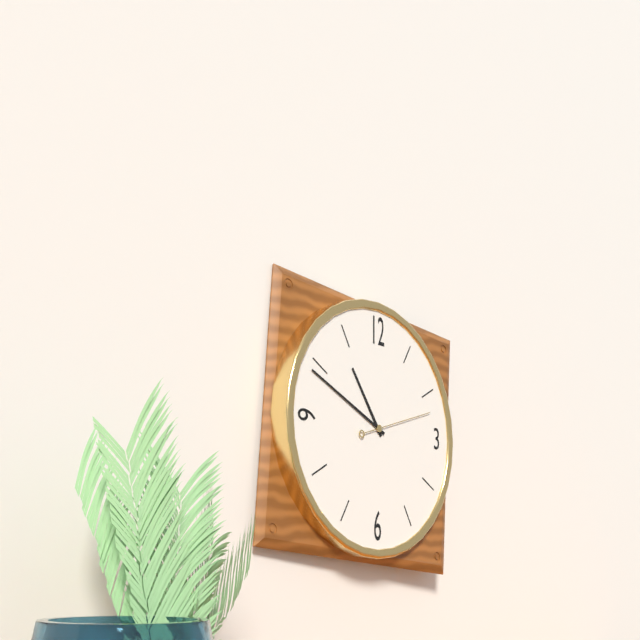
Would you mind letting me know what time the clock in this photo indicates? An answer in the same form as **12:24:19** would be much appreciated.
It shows **10:49:12**
